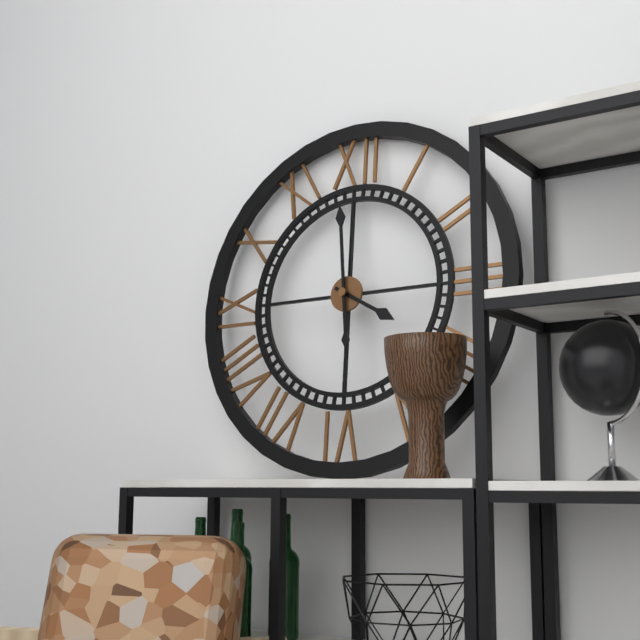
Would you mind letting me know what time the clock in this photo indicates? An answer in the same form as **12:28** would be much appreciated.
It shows **3:59**
